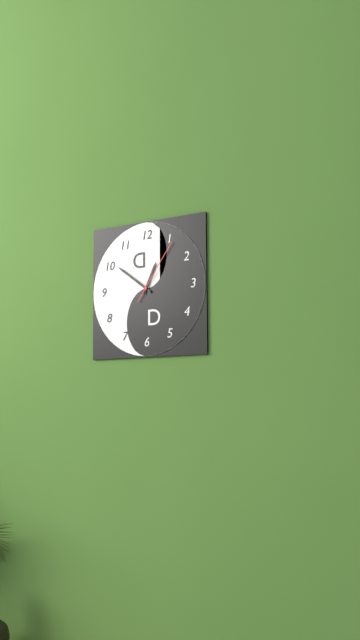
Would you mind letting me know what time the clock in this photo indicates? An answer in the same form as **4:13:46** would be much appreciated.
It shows **12:51:06**
